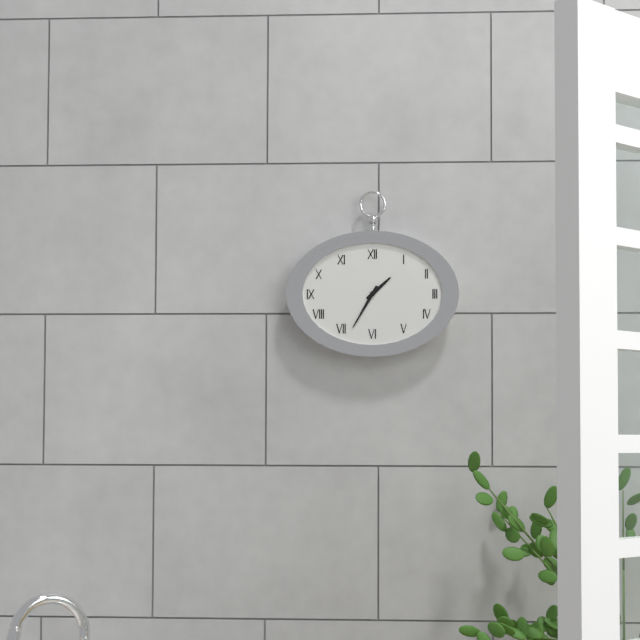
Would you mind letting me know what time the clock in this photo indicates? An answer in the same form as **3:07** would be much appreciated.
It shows **1:35**
